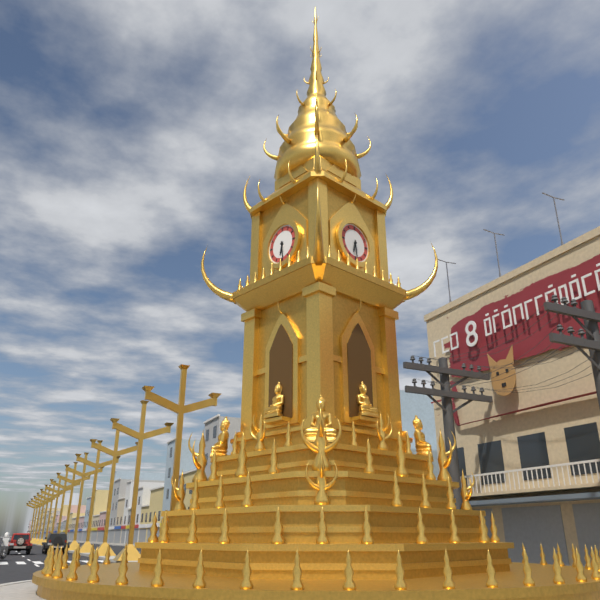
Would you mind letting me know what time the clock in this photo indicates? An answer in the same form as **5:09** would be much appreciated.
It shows **6:29**
